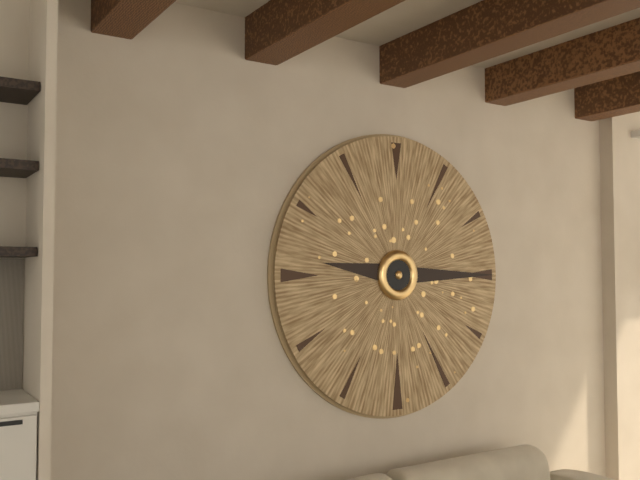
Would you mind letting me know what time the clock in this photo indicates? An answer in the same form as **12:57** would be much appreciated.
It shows **9:15**
